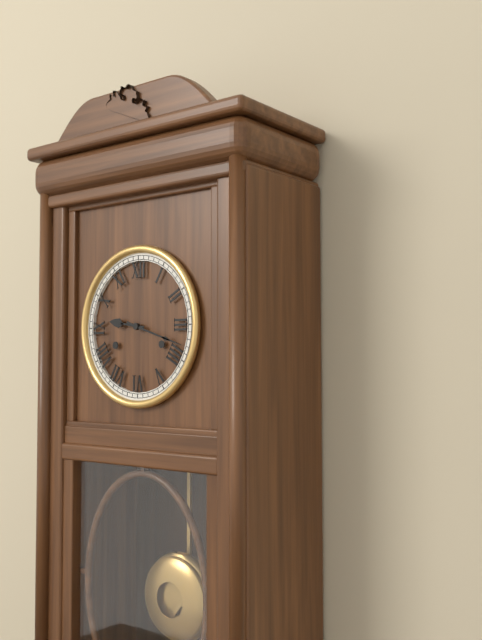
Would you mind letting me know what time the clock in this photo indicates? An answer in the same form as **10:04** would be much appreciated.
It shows **9:18**
